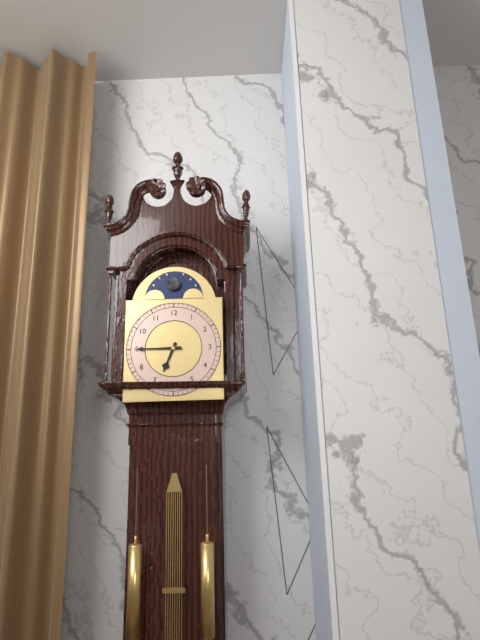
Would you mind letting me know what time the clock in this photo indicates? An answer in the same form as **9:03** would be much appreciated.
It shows **6:45**
